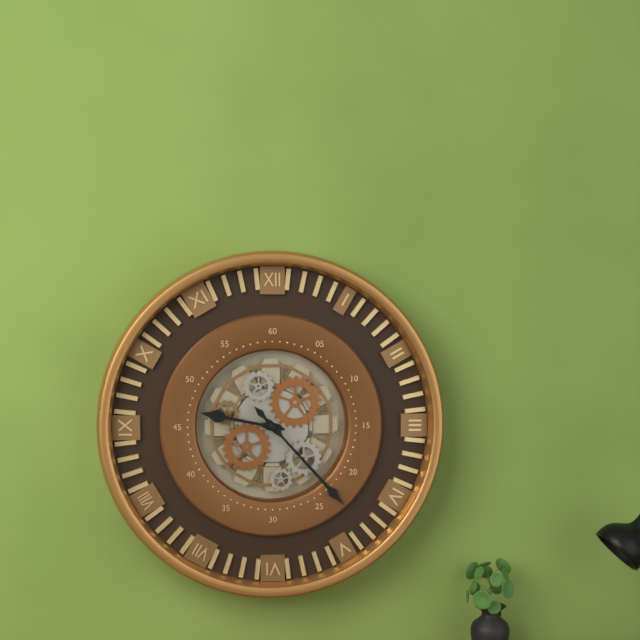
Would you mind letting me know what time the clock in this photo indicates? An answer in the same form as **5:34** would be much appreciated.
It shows **9:23**
